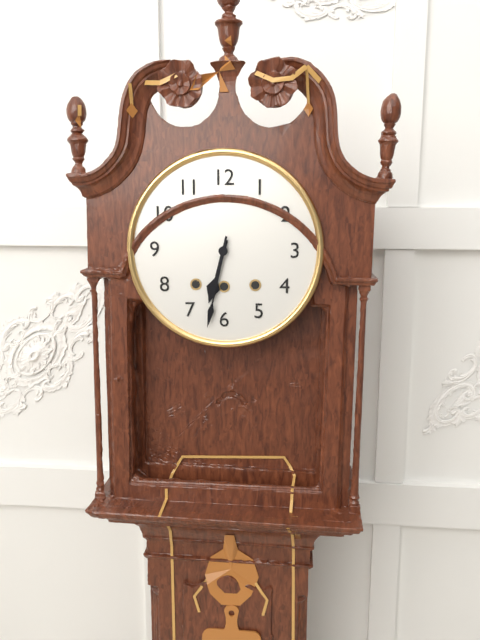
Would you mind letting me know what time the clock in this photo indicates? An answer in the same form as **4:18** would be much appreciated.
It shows **6:32**
